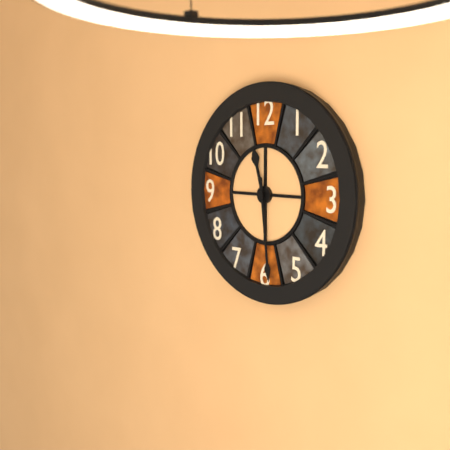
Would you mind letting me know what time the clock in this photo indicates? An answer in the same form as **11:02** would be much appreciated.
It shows **11:29**
